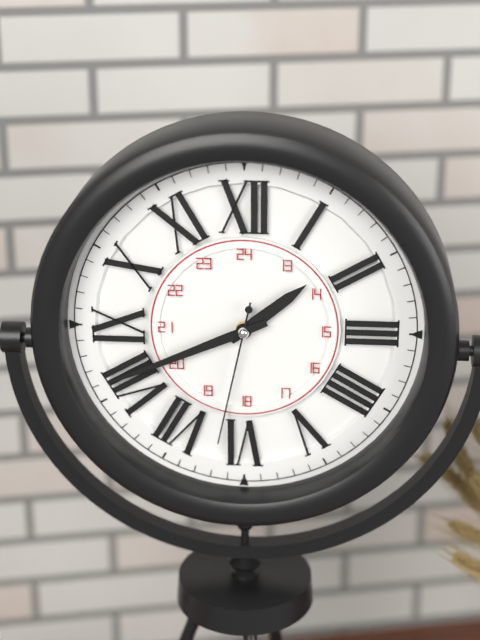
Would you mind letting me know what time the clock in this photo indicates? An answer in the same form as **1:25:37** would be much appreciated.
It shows **1:41:32**
